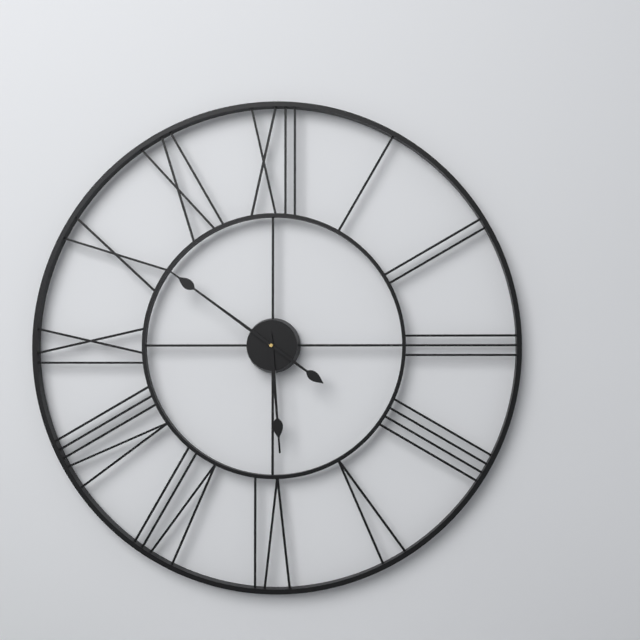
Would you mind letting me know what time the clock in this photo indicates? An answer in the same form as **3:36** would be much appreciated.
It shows **5:51**
